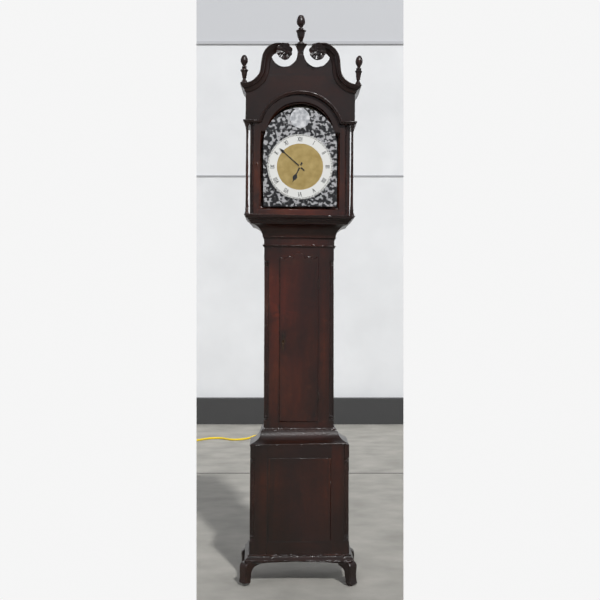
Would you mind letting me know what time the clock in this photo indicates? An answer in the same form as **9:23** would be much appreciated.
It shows **6:52**
